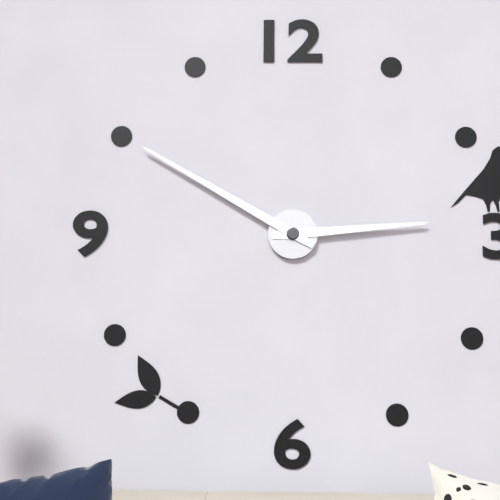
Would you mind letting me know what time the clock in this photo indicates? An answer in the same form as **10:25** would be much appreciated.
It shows **2:50**
